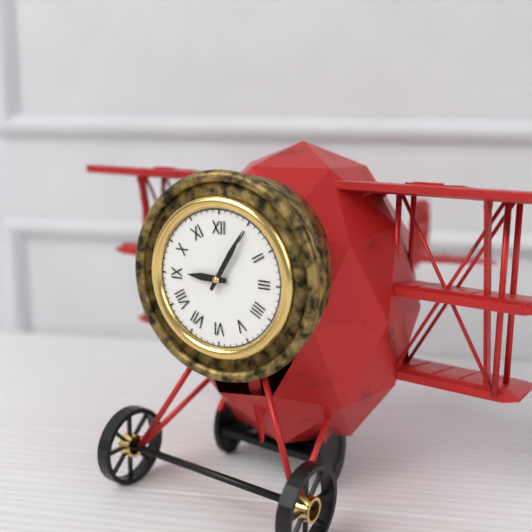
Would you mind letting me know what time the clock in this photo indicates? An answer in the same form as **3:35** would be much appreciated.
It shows **9:05**
